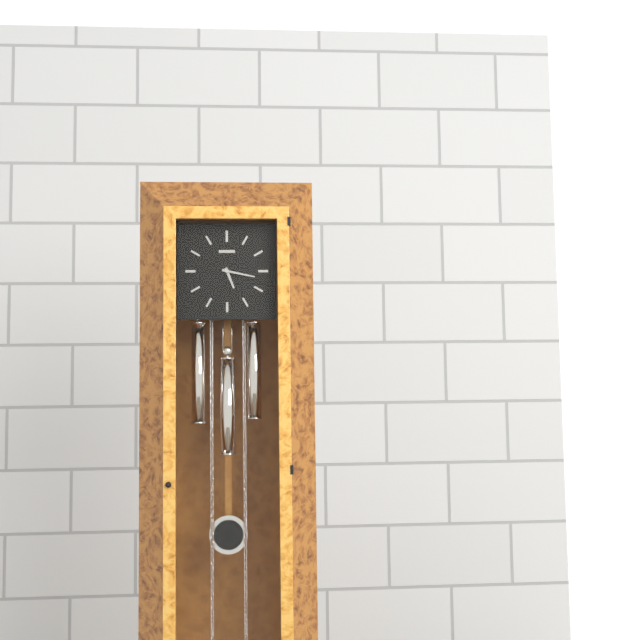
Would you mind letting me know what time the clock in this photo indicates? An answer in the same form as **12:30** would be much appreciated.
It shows **5:17**
